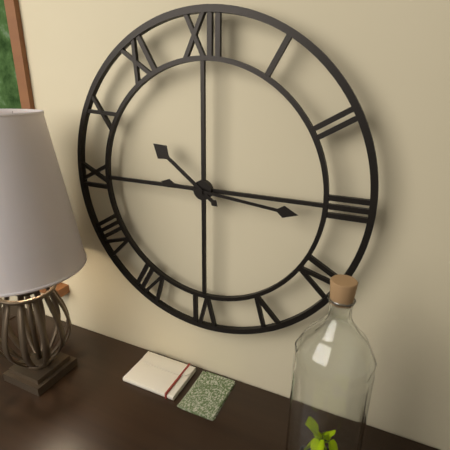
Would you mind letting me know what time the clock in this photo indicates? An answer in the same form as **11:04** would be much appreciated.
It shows **10:16**
